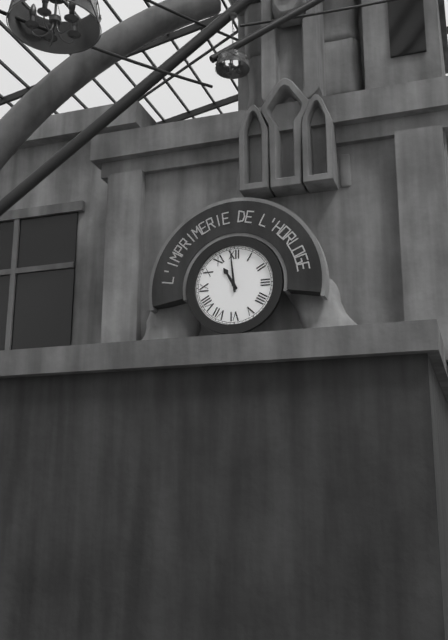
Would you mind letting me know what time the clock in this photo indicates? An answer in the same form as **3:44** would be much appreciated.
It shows **10:59**
